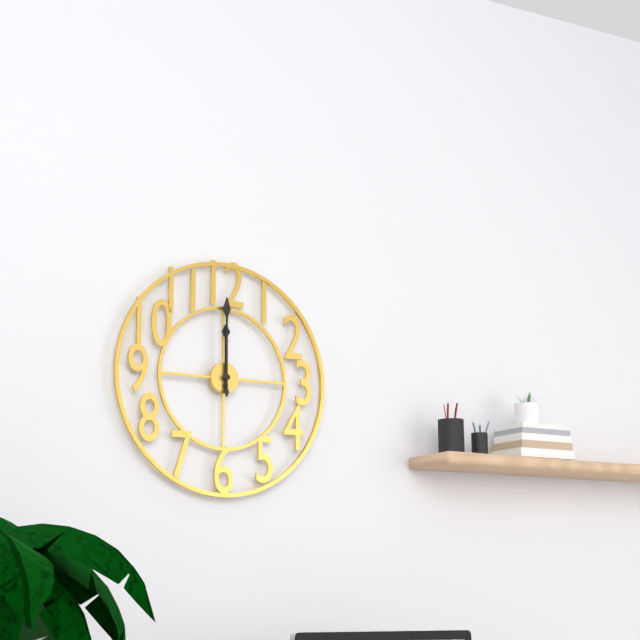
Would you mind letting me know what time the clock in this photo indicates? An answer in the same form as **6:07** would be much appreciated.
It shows **12:00**
